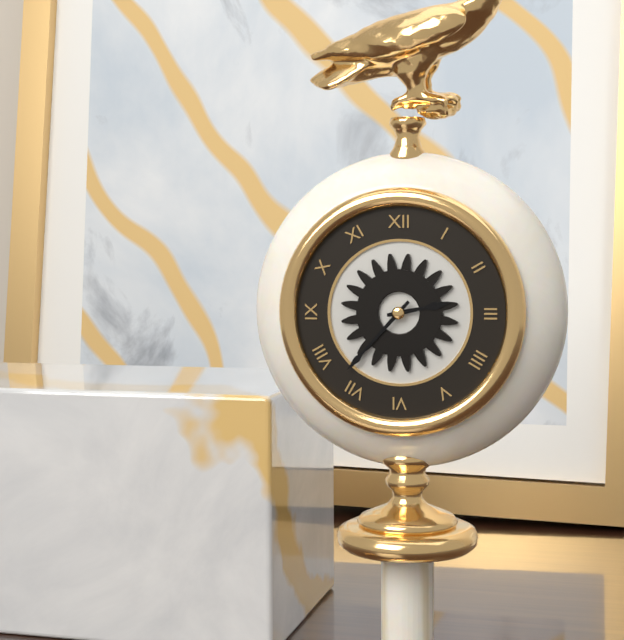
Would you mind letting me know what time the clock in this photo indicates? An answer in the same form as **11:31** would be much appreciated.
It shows **2:37**
